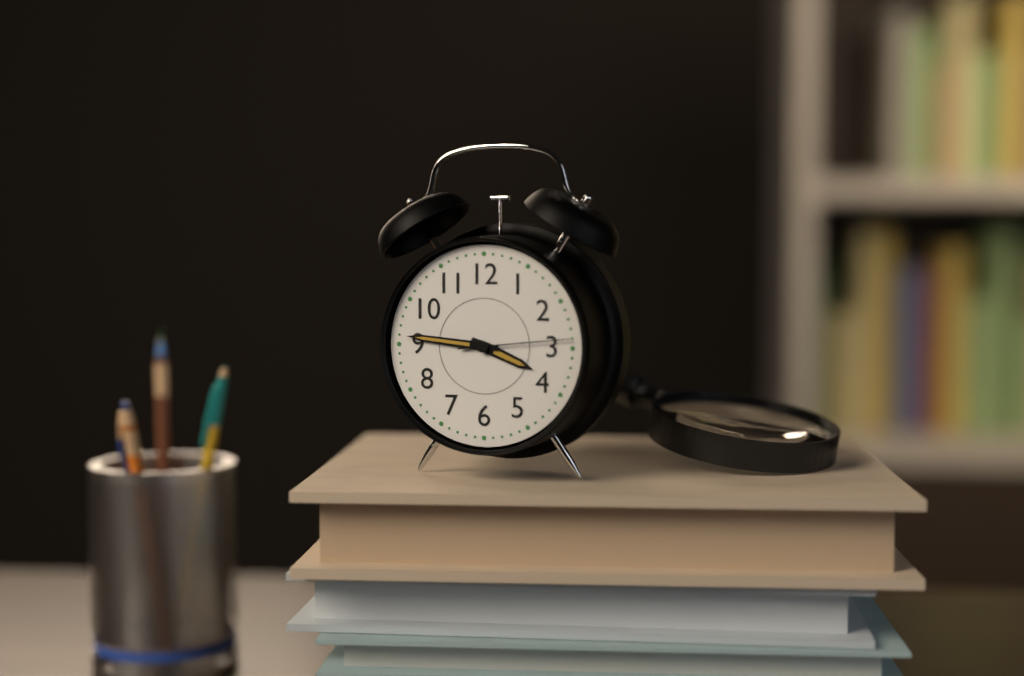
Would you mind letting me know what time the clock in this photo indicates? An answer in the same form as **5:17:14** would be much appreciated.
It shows **3:46:14**
